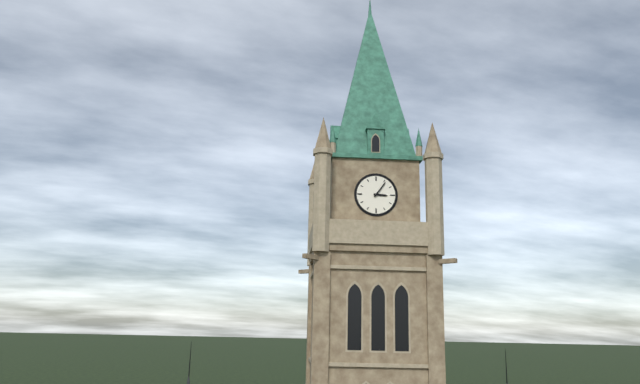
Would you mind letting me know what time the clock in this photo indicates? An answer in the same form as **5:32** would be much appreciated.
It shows **3:06**
